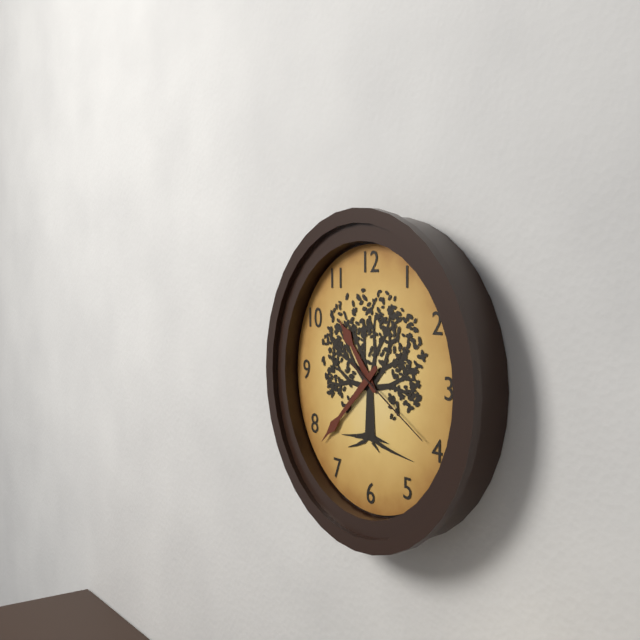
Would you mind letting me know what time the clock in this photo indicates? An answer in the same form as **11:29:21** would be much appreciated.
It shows **10:38:20**
